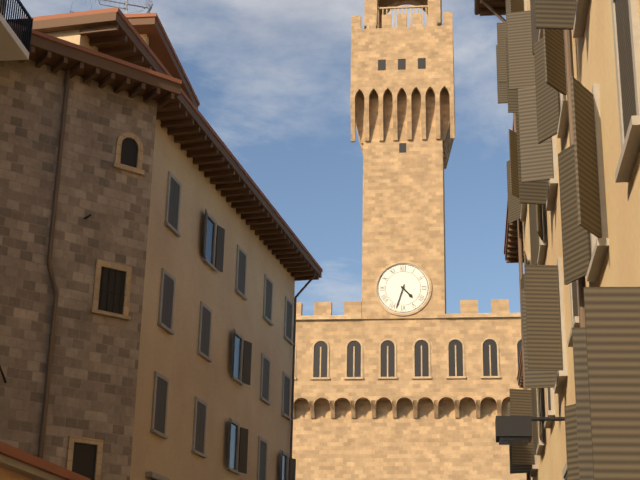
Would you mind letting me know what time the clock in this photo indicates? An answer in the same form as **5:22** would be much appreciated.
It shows **4:33**
